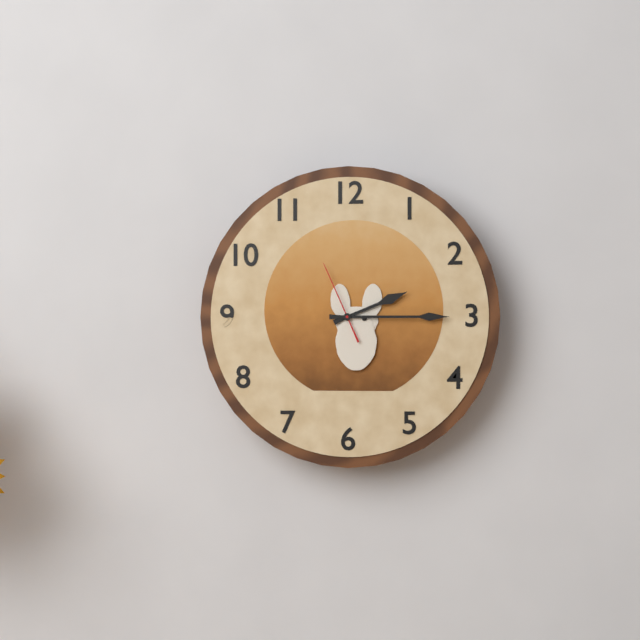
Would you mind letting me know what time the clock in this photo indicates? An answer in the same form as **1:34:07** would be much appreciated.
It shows **2:15:56**
